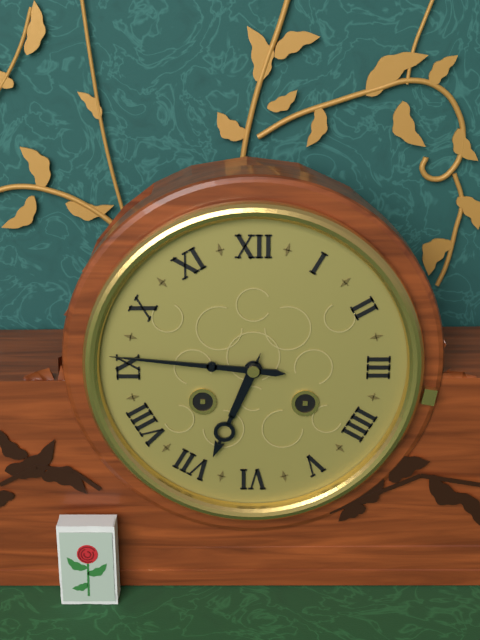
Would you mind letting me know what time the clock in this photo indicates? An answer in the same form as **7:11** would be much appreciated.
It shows **6:46**
